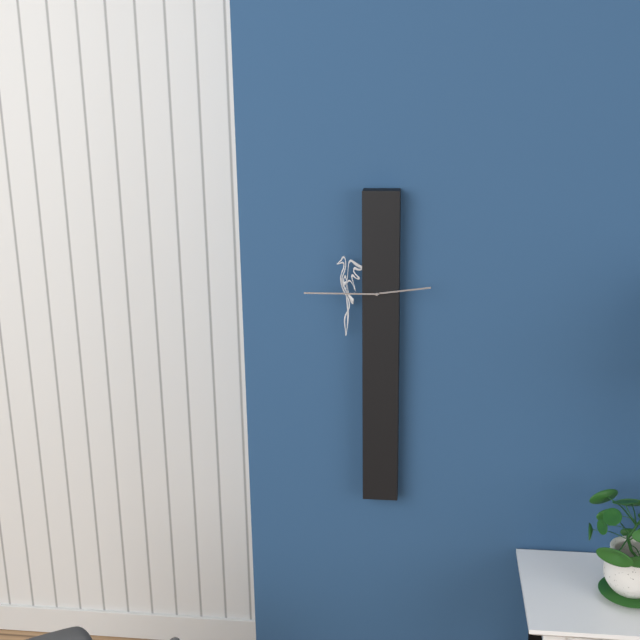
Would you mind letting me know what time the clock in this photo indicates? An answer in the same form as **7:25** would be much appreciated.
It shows **2:45**
